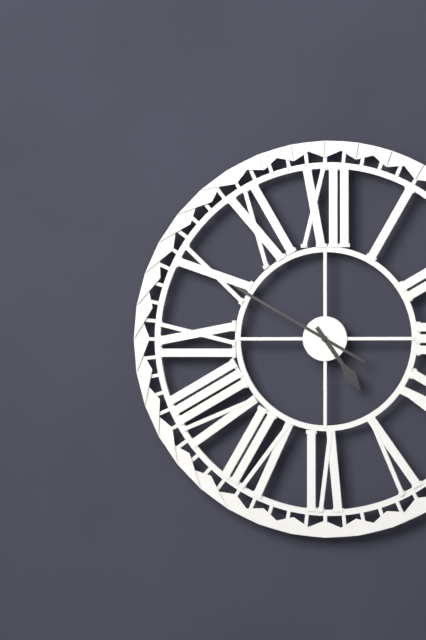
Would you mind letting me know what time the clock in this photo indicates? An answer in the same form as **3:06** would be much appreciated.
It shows **4:50**
